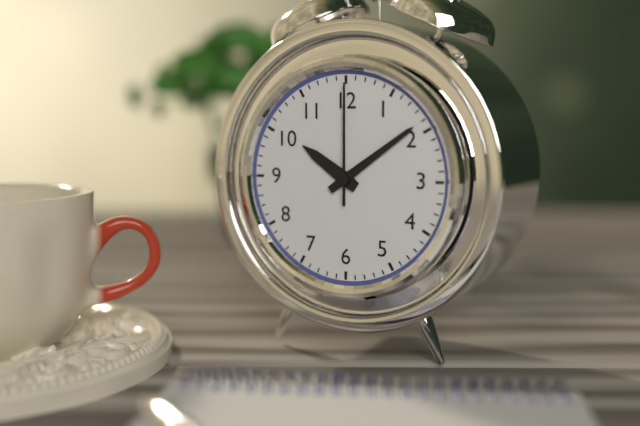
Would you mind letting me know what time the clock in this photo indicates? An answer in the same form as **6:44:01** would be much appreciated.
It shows **10:09:00**
